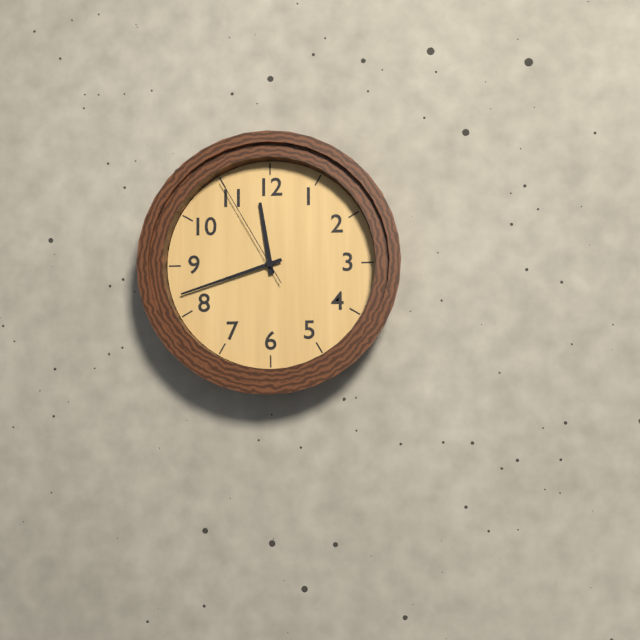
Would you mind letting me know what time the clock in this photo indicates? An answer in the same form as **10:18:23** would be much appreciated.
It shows **11:42:55**
